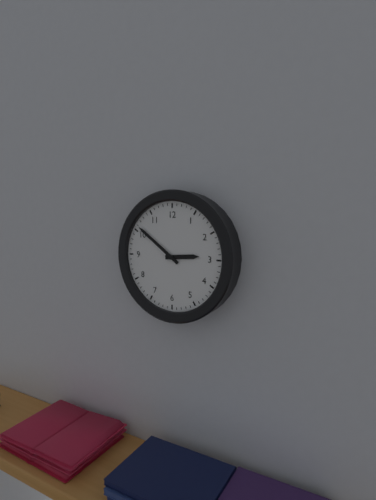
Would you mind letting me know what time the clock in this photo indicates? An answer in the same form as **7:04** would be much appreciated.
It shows **2:51**
